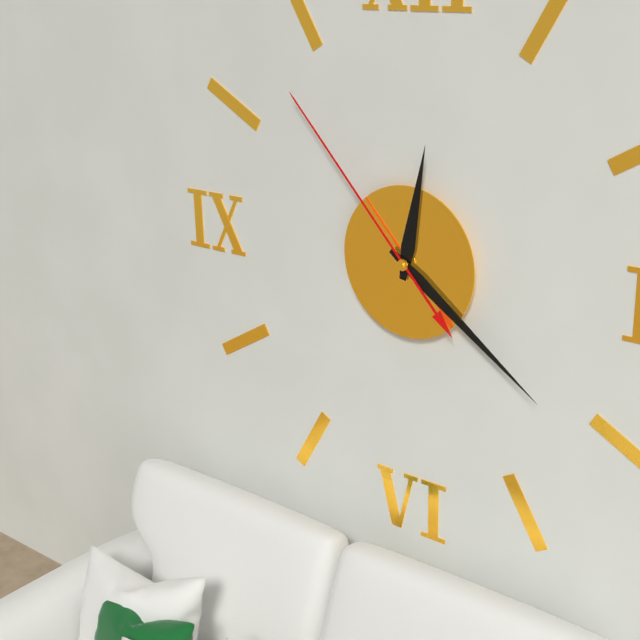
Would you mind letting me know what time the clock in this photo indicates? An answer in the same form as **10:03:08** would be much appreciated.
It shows **12:21:53**
